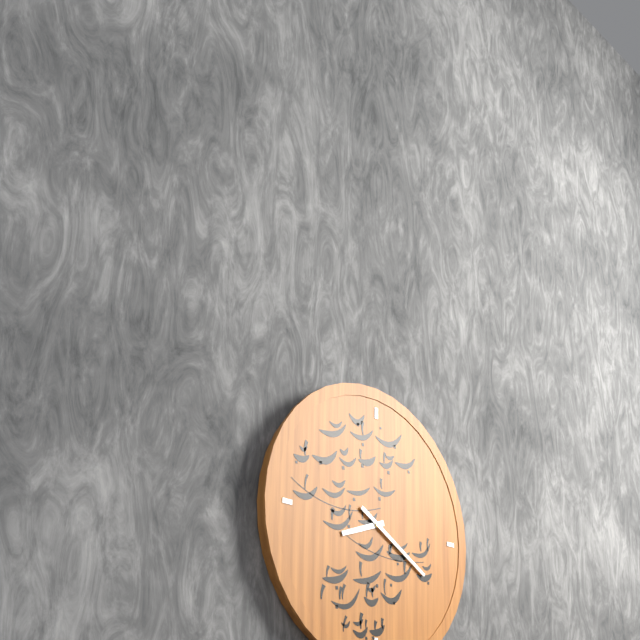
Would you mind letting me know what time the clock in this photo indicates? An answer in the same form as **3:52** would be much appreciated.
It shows **8:20**
